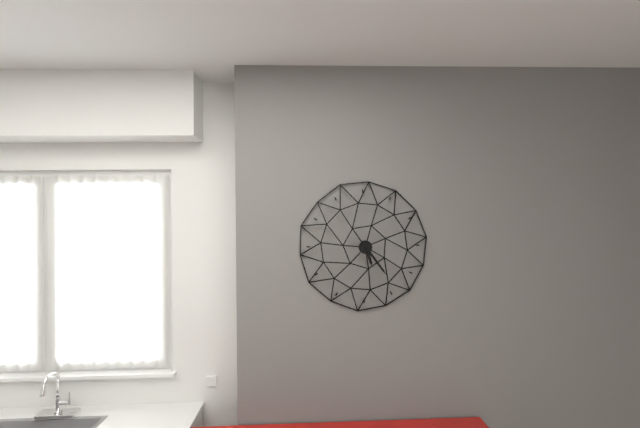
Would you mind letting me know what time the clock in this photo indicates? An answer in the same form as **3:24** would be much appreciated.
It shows **5:24**
